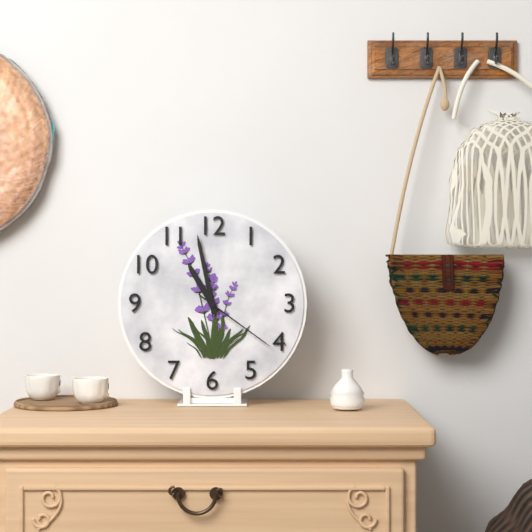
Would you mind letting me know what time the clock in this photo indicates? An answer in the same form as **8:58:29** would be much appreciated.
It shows **10:58:21**
